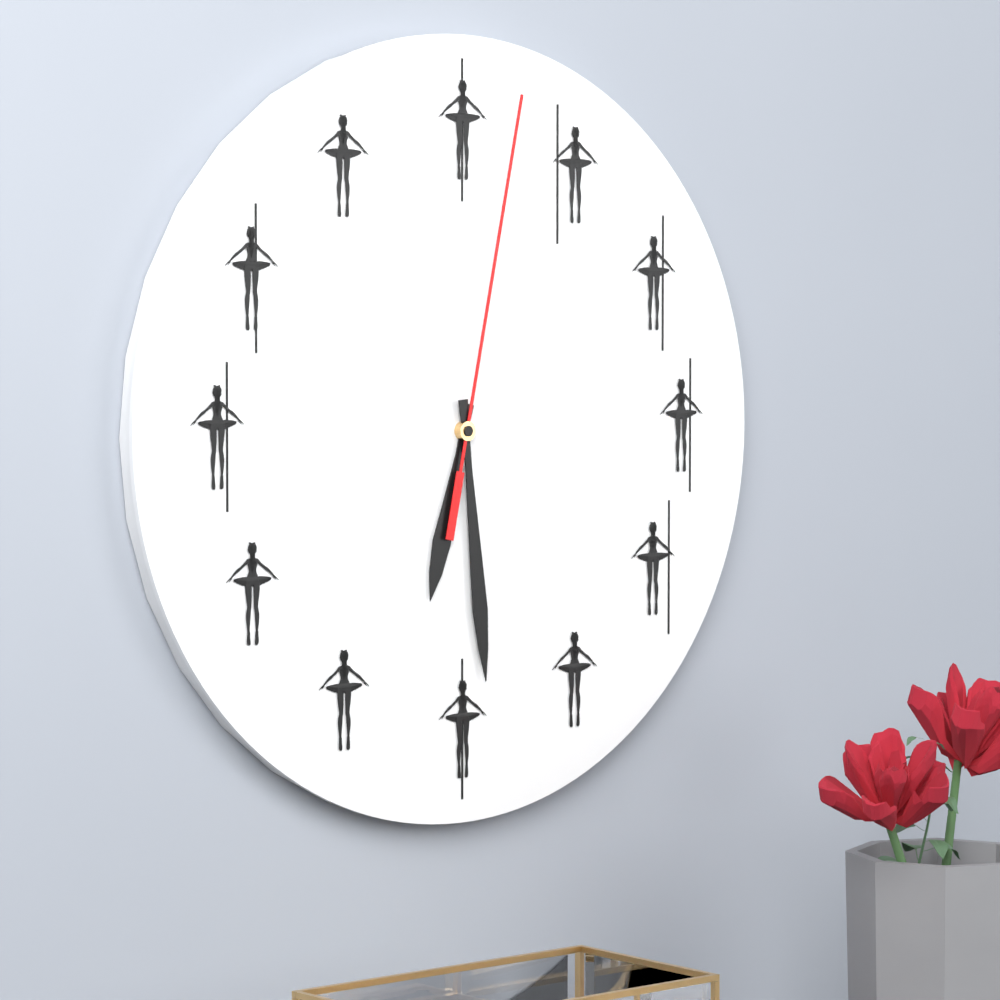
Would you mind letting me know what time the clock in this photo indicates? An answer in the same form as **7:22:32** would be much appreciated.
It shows **6:29:02**
